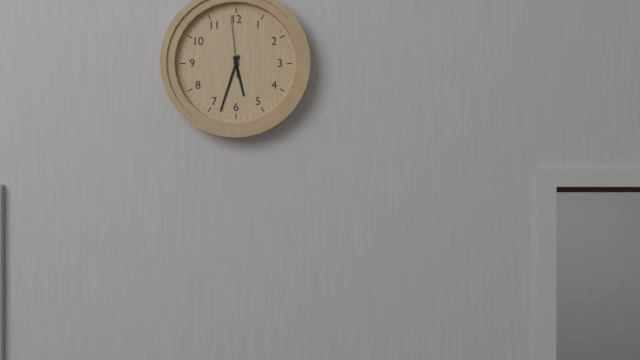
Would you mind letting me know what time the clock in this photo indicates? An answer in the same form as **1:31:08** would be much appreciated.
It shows **5:33:59**
